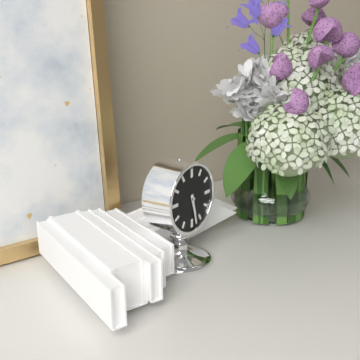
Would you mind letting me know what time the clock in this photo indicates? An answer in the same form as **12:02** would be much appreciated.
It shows **5:28**
